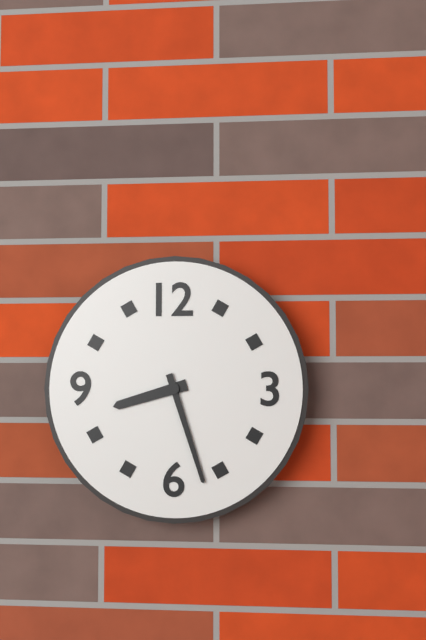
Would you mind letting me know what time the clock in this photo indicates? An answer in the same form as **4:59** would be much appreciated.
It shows **8:27**
